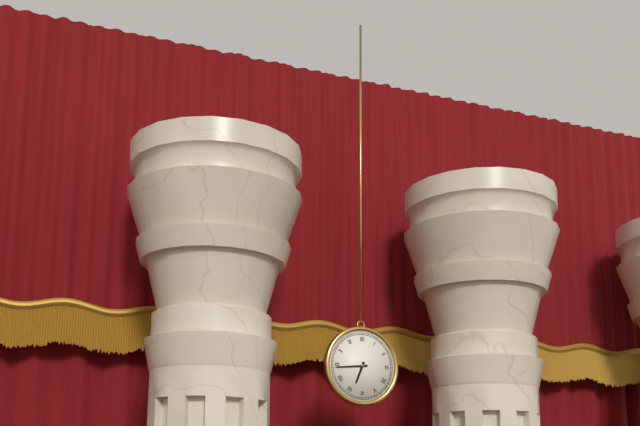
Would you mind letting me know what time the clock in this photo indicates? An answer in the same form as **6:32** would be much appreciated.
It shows **6:44**
